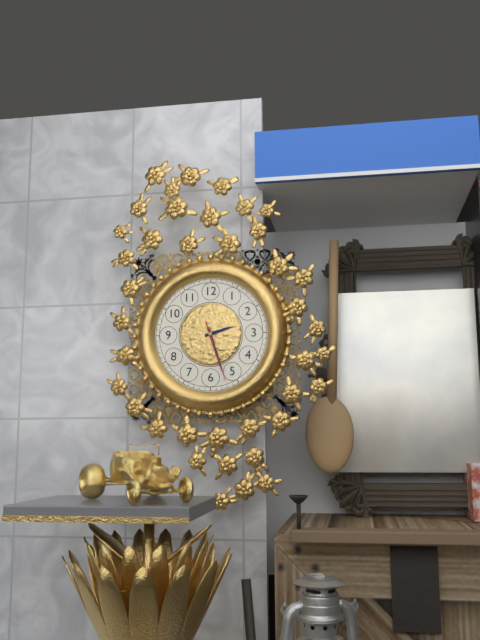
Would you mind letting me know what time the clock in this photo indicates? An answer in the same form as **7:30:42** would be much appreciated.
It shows **2:27:27**
